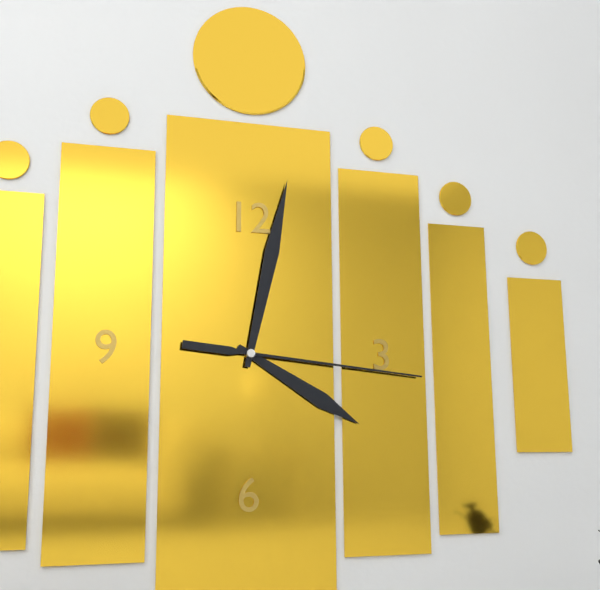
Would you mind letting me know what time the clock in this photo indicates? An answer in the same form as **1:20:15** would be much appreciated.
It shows **4:02:16**
